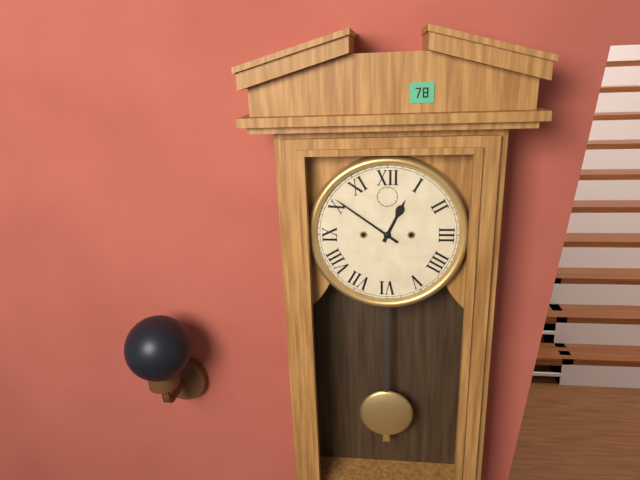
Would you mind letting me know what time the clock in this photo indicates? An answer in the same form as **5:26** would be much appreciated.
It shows **12:51**
